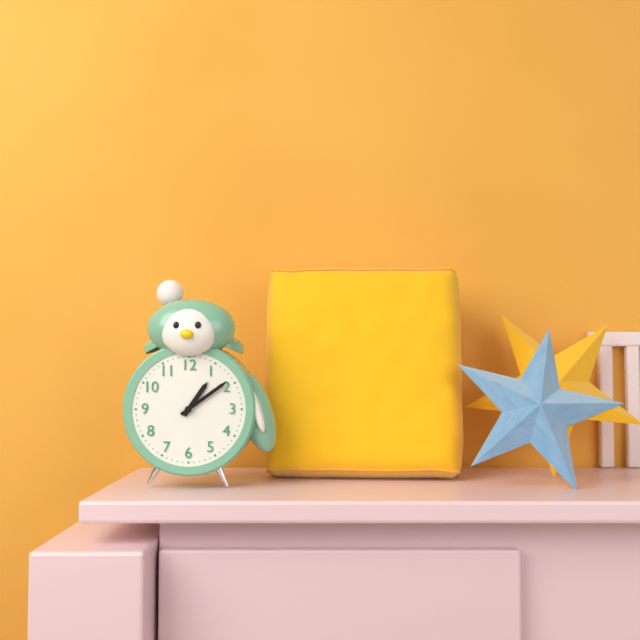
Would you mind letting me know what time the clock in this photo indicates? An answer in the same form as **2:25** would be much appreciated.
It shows **1:09**
